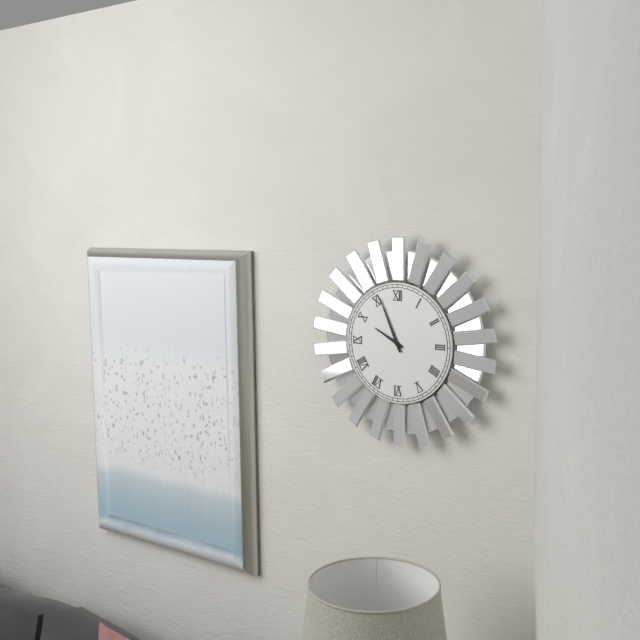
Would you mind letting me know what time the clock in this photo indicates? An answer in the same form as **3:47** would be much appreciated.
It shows **9:56**
